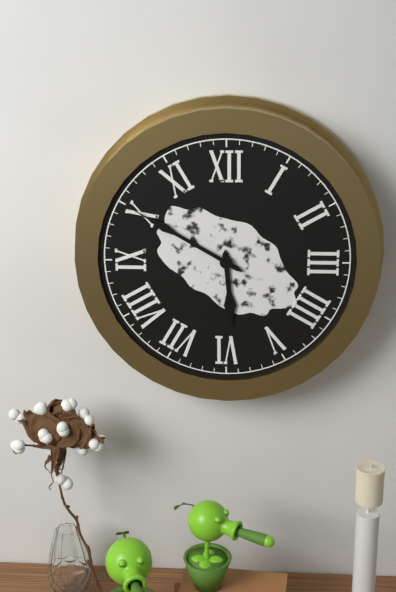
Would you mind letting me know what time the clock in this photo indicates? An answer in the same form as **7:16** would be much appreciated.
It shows **5:50**
